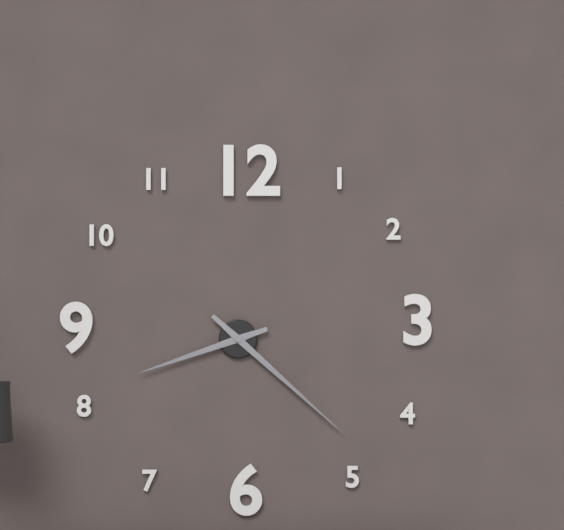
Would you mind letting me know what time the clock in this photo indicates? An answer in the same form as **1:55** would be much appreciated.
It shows **8:22**
